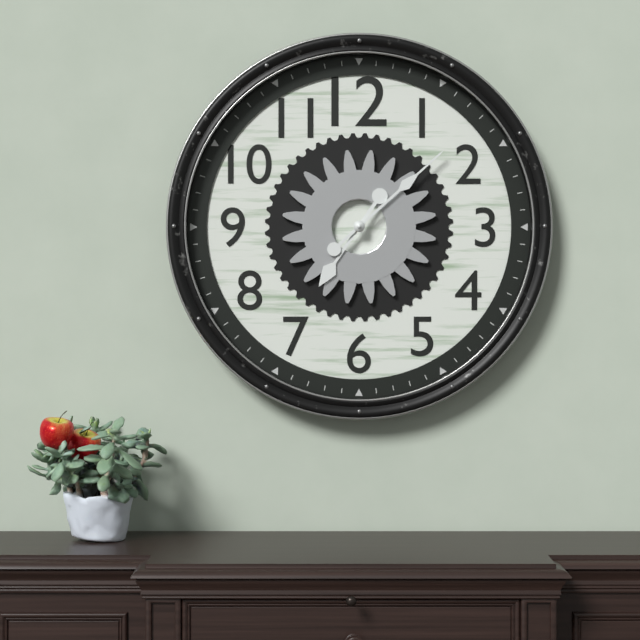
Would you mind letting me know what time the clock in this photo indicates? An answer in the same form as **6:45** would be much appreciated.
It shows **7:08**
